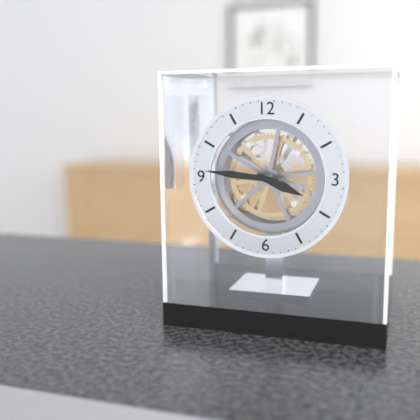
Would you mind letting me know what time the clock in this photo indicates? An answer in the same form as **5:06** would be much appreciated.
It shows **3:46**
